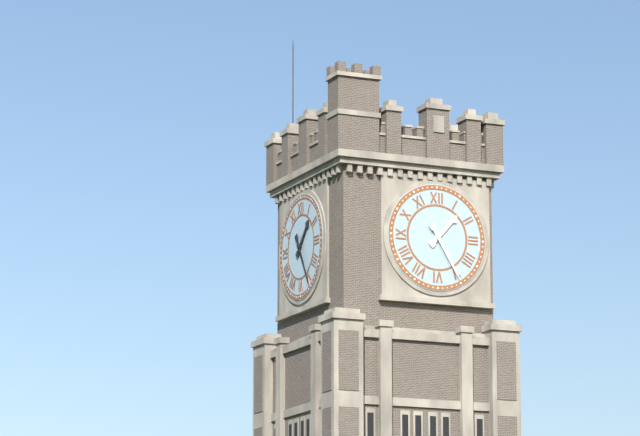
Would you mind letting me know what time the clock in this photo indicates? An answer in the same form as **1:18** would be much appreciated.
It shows **1:25**
